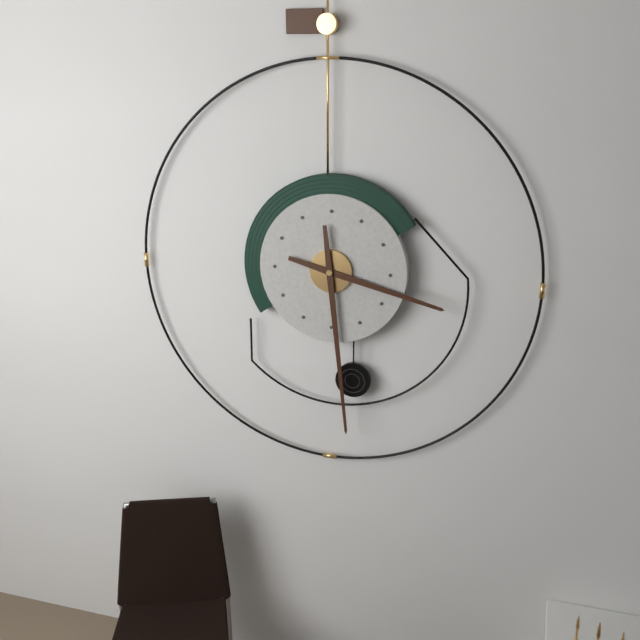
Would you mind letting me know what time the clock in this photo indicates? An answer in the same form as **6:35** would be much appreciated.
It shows **3:29**
